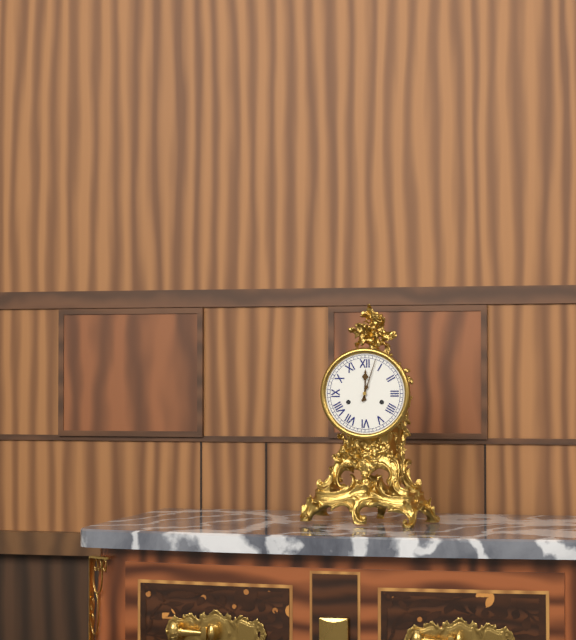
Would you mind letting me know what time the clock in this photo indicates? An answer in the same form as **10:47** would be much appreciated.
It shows **12:03**
